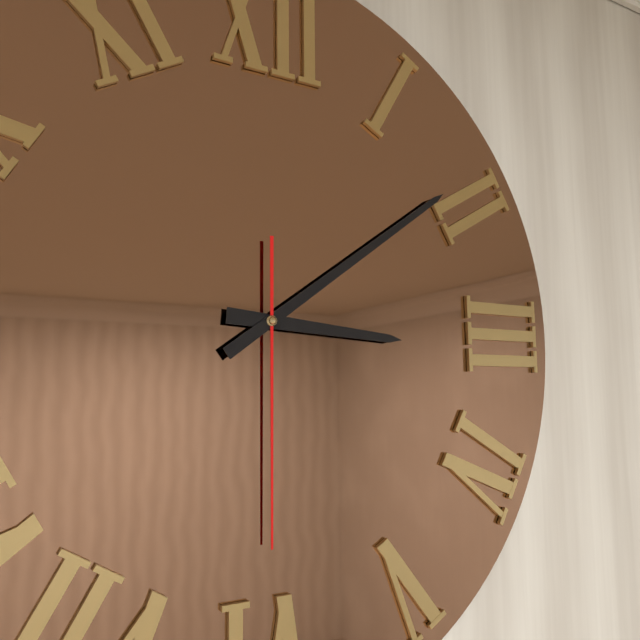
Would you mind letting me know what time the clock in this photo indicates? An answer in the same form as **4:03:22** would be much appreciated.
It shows **3:09:30**
